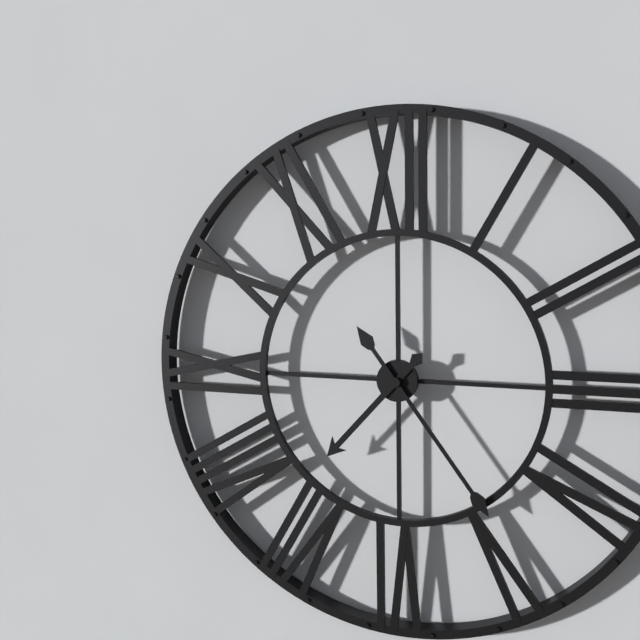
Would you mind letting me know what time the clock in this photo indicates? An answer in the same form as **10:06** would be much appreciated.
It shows **7:24**
